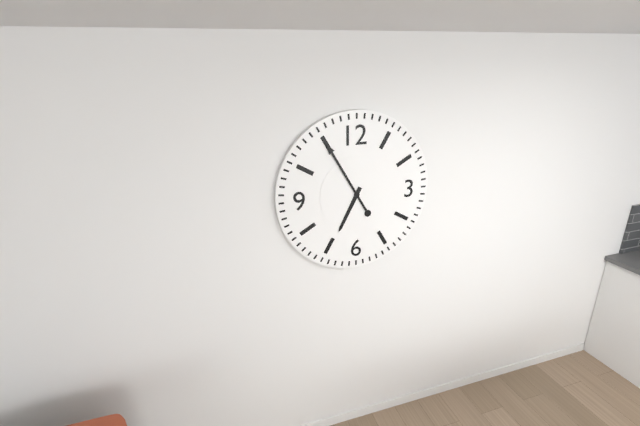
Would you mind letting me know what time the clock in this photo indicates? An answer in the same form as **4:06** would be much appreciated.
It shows **6:55**
